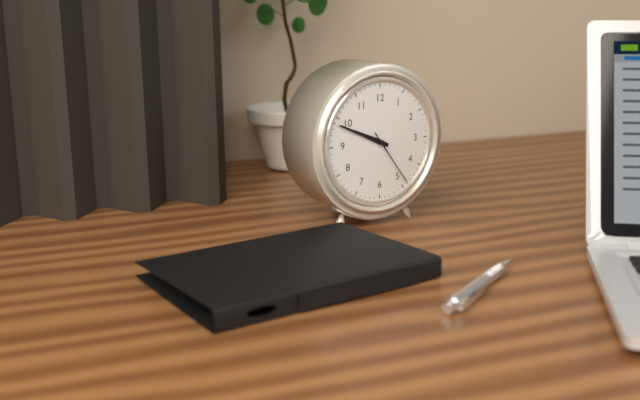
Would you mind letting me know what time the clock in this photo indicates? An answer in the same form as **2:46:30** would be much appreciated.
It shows **9:49:24**
